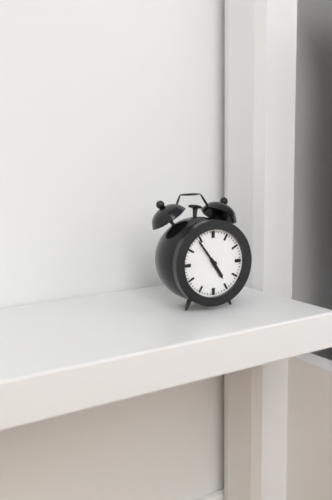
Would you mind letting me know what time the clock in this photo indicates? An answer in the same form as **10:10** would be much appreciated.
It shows **4:54**
